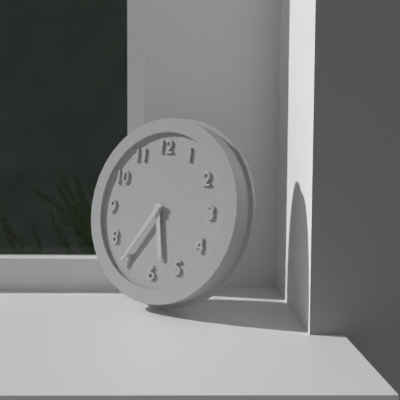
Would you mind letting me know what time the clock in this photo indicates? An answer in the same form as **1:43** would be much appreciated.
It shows **5:36**
